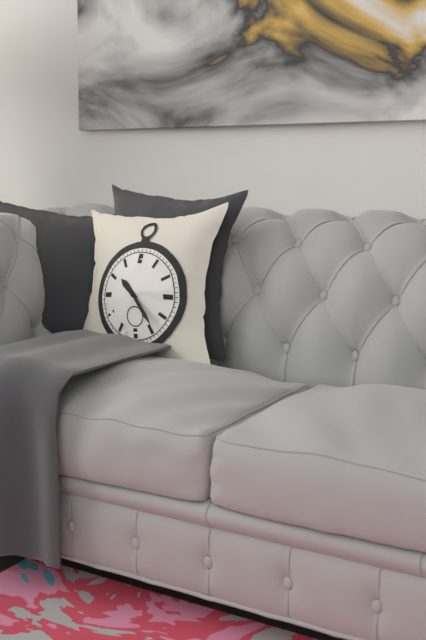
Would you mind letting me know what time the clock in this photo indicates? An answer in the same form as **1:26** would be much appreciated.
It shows **10:23**
